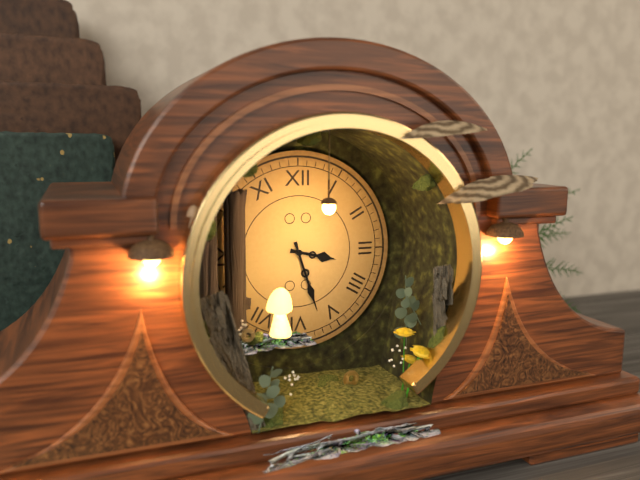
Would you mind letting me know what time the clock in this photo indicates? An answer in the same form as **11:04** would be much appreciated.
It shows **3:27**
